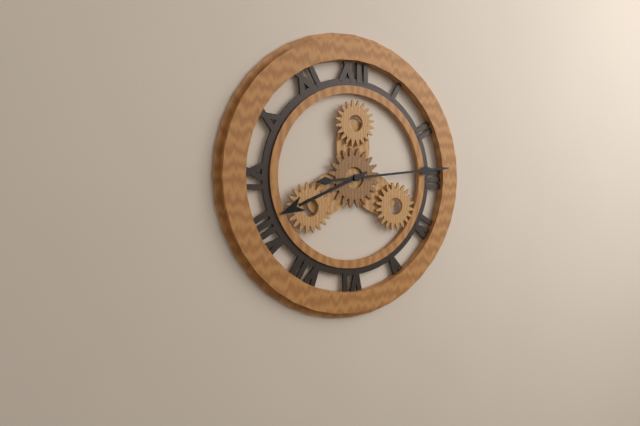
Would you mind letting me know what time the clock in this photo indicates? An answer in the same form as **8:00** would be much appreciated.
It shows **8:14**
